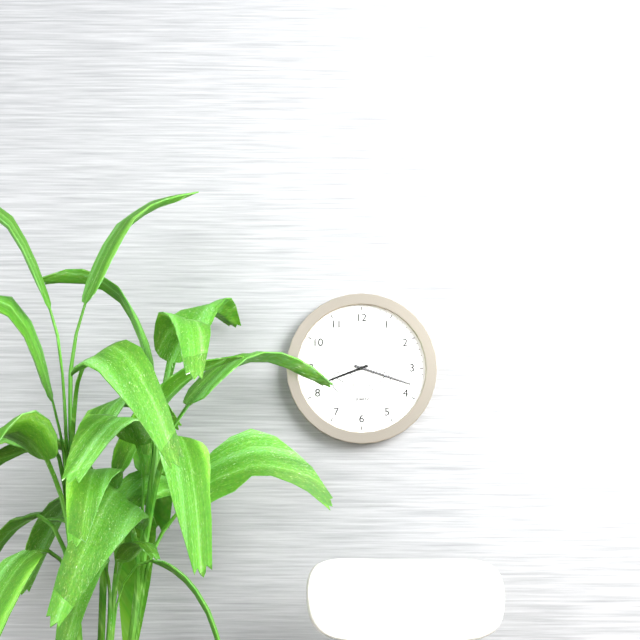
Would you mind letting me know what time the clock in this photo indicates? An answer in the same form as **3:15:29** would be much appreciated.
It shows **8:18:18**
